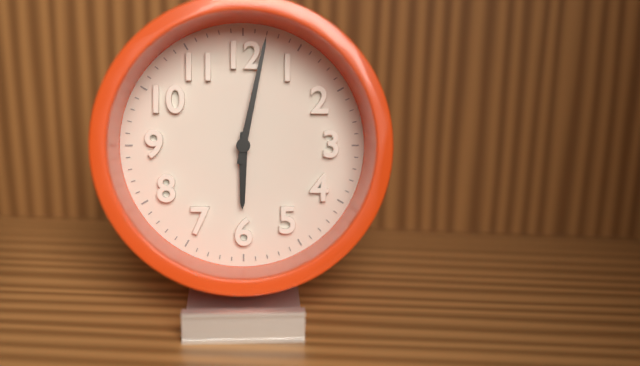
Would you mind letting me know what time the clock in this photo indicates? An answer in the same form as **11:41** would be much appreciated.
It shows **6:02**
